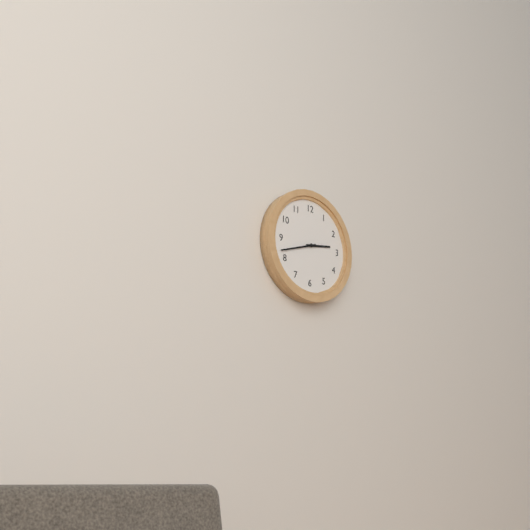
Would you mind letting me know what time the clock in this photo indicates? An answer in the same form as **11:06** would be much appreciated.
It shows **2:42**
